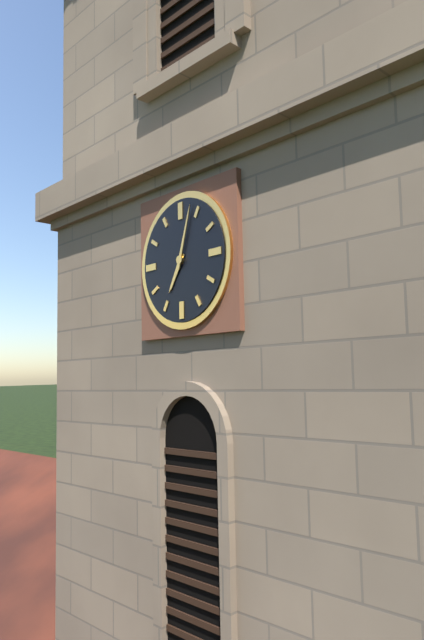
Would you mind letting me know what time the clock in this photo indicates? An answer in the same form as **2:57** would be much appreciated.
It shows **7:03**
